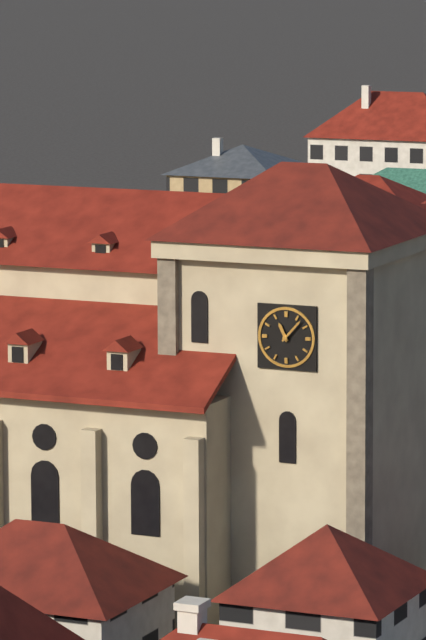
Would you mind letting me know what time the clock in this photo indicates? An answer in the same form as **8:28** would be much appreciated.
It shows **11:07**
